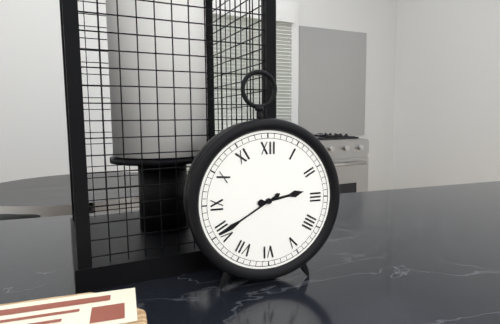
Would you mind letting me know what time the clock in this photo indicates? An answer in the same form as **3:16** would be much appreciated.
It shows **2:40**
